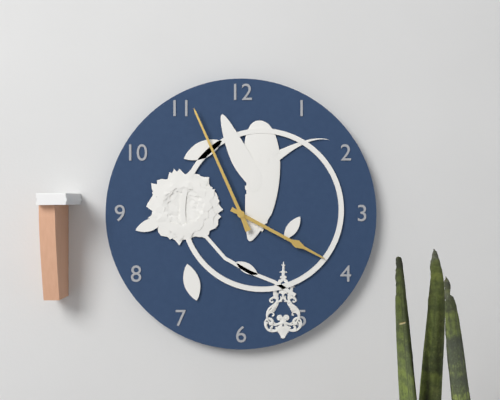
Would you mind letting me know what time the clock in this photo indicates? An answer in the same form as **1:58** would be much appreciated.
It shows **3:56**
